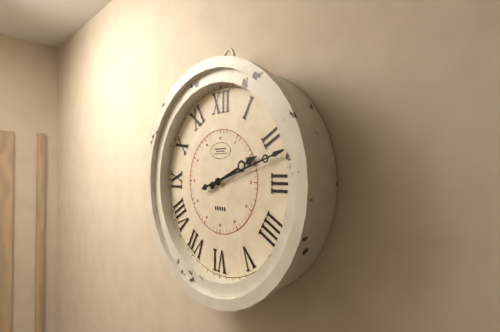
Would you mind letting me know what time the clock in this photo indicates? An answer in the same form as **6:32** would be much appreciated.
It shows **2:12**
